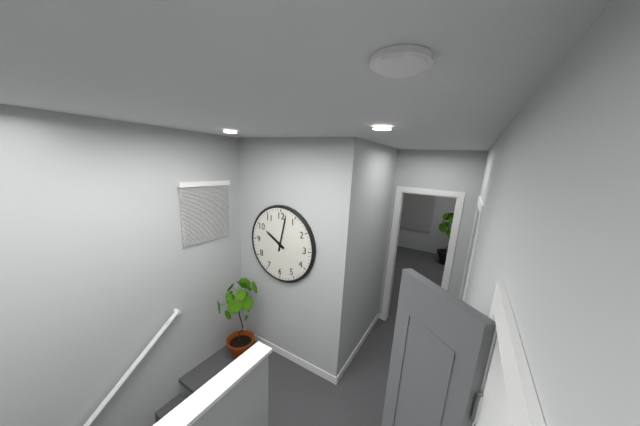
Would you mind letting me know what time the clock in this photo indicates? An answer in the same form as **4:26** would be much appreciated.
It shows **10:02**
